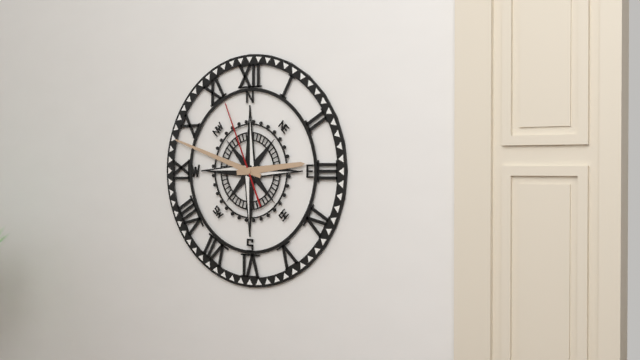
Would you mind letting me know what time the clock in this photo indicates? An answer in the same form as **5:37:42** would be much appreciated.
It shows **2:48:56**
